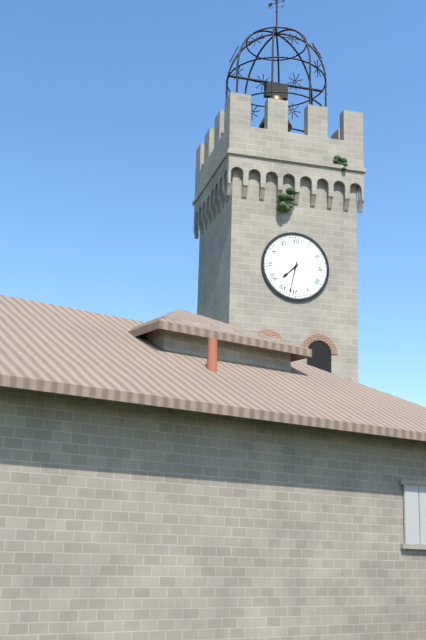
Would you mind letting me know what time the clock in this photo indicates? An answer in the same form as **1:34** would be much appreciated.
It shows **7:32**
